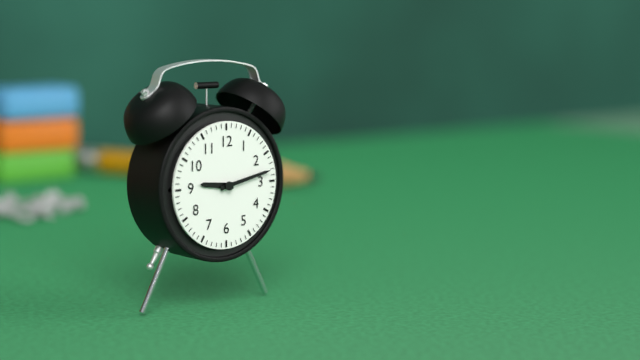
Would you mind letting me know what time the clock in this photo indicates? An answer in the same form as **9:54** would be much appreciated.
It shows **9:13**
